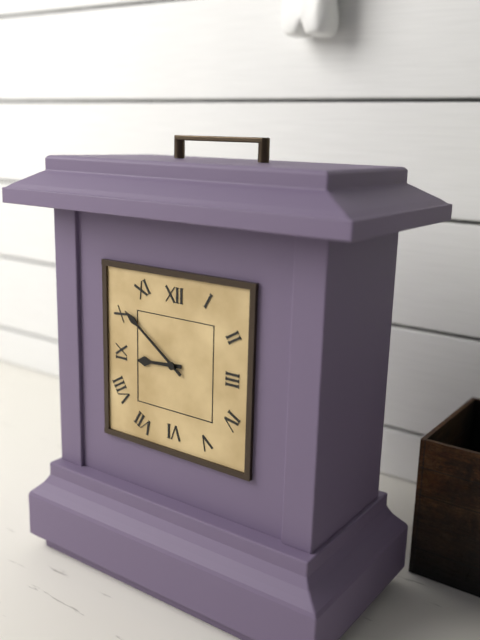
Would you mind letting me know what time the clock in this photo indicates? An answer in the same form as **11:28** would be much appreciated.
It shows **8:51**
